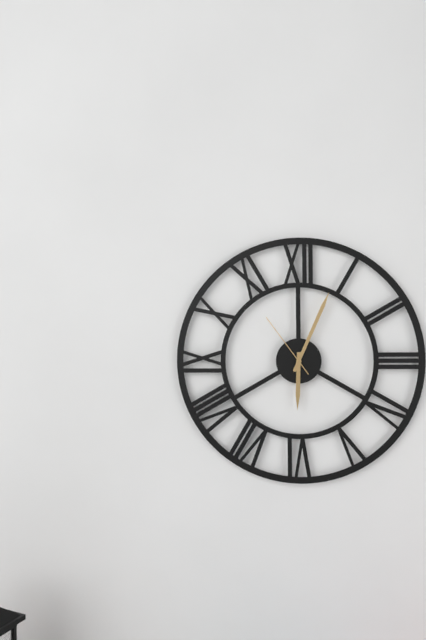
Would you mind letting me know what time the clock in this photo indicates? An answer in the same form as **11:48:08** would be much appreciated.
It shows **6:04:54**
